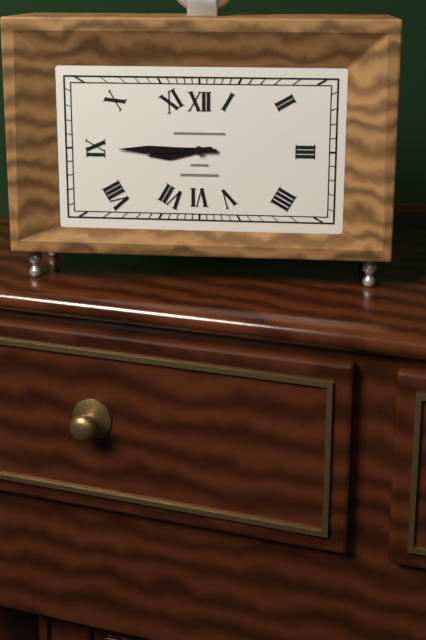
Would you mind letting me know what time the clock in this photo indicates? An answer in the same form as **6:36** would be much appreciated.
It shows **8:45**
